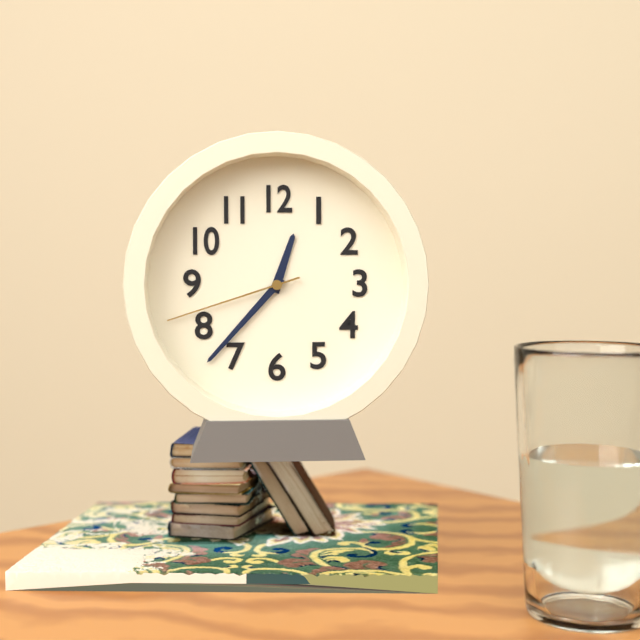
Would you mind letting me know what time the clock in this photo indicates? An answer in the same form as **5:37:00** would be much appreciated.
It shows **12:37:42**
